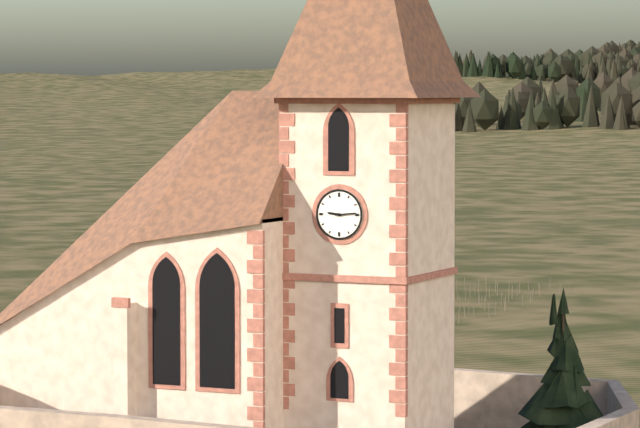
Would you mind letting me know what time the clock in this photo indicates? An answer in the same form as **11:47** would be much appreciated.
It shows **9:14**
